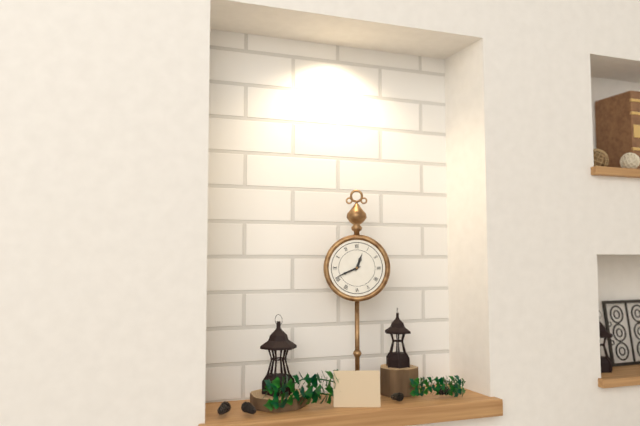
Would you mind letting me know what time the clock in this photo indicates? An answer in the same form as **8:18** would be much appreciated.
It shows **12:41**
